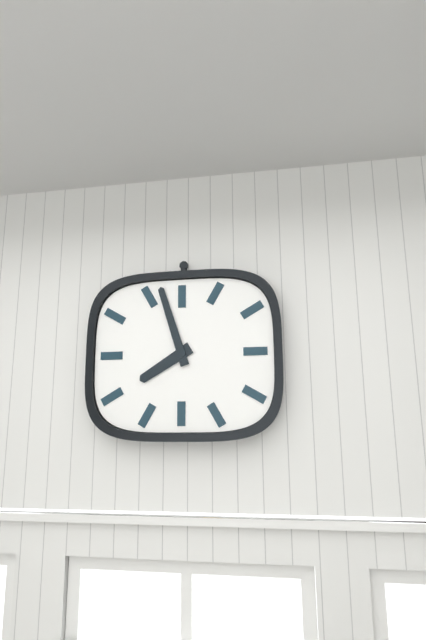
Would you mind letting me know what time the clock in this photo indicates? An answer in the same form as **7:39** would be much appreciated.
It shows **7:57**
